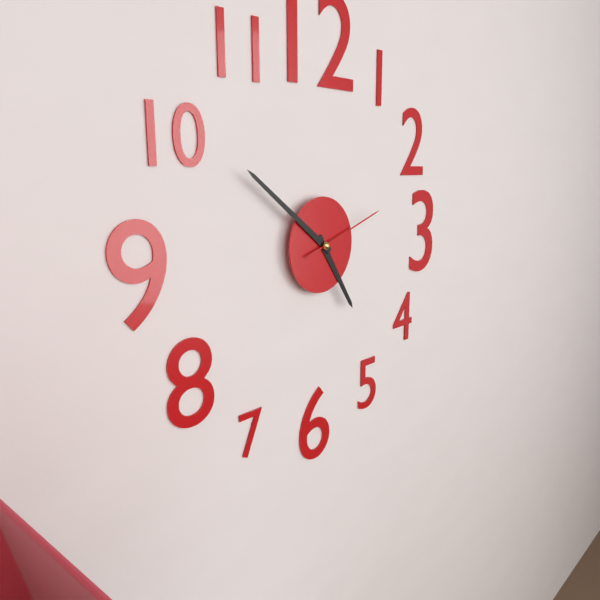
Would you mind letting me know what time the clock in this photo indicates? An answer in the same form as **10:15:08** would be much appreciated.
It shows **4:51:12**
